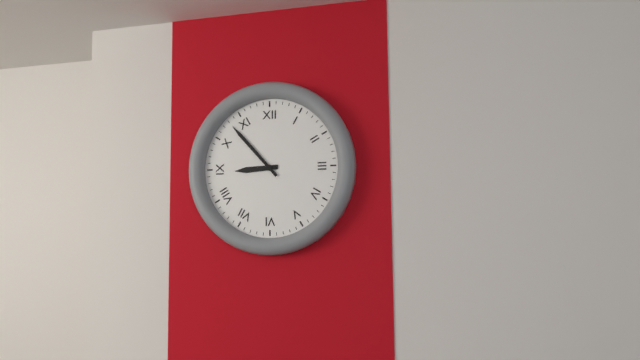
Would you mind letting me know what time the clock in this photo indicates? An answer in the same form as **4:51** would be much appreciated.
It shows **8:53**
